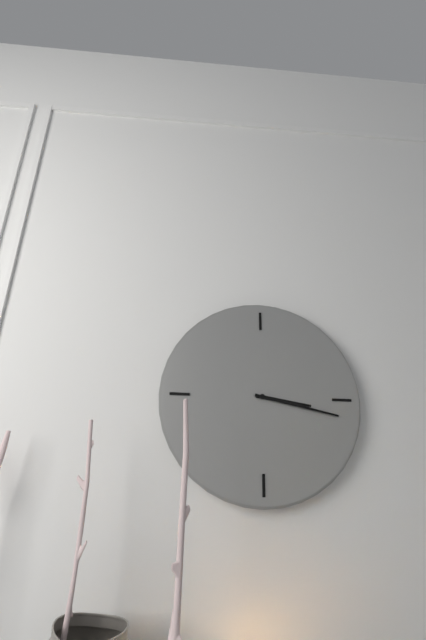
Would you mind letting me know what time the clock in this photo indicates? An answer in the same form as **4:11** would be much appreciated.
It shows **3:17**
